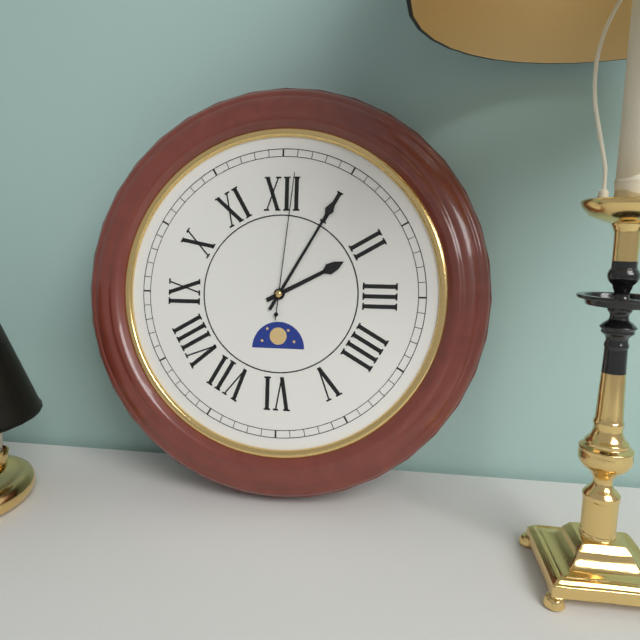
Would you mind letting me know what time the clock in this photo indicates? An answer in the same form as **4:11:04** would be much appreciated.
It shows **2:05:01**
